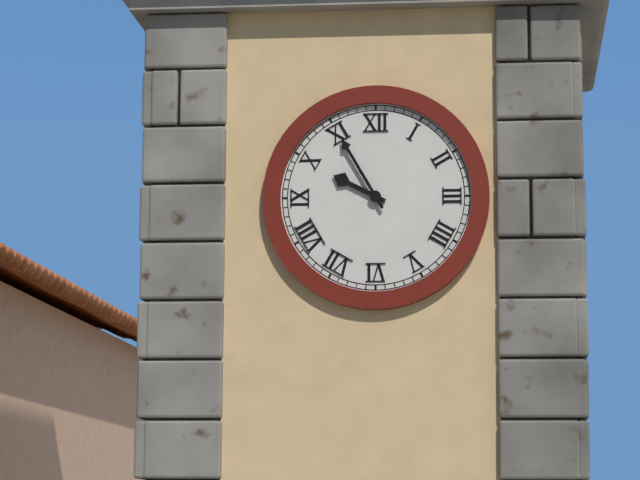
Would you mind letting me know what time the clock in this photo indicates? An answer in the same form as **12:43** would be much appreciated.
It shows **9:55**
